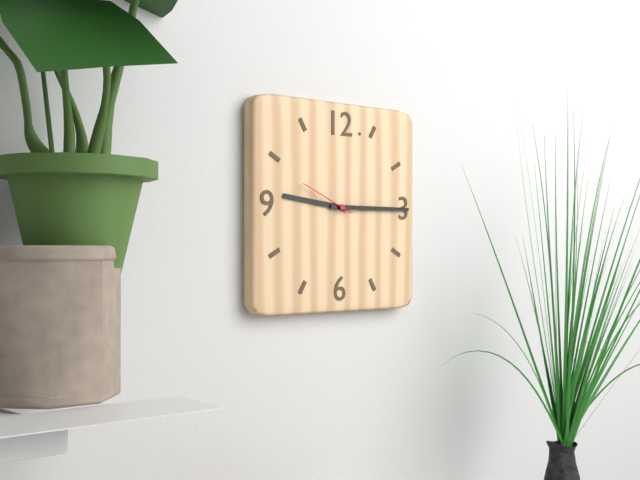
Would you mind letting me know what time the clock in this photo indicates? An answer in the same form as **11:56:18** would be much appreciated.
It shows **9:15:49**
